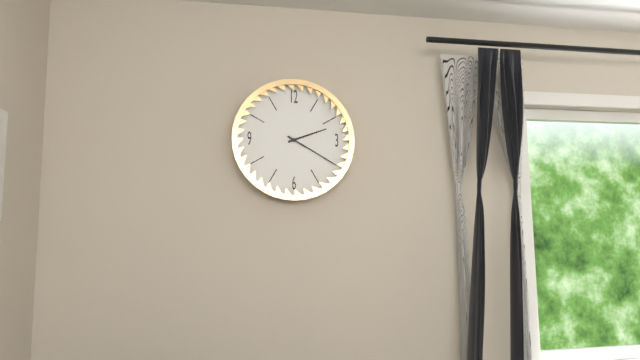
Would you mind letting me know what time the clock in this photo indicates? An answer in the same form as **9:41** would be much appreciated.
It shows **2:20**
